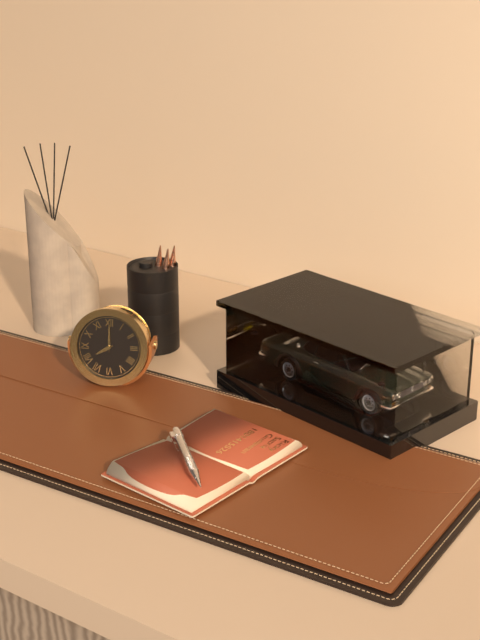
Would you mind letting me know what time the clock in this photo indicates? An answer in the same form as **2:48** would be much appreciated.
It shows **8:00**
